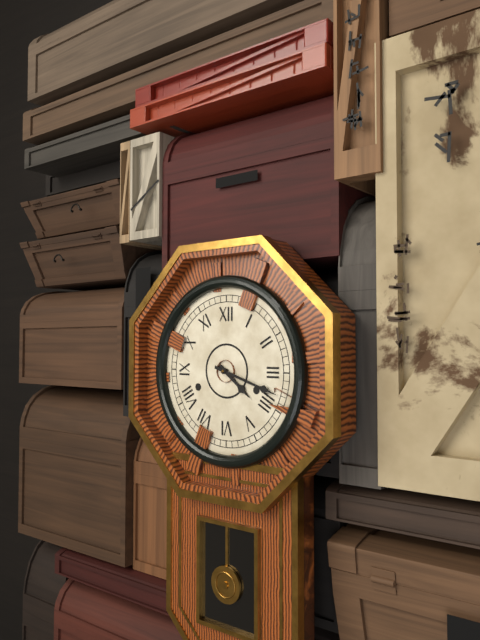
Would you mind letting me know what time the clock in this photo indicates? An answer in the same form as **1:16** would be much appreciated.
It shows **4:18**
